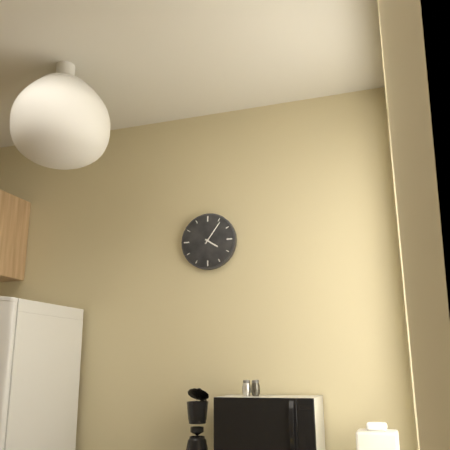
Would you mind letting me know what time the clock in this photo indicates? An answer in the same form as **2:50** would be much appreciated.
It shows **4:06**
